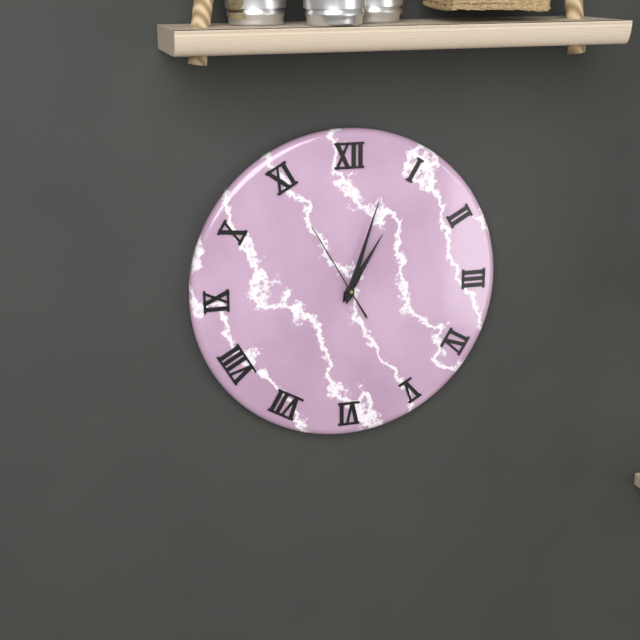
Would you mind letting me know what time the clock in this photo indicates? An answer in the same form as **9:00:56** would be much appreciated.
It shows **1:03:55**
